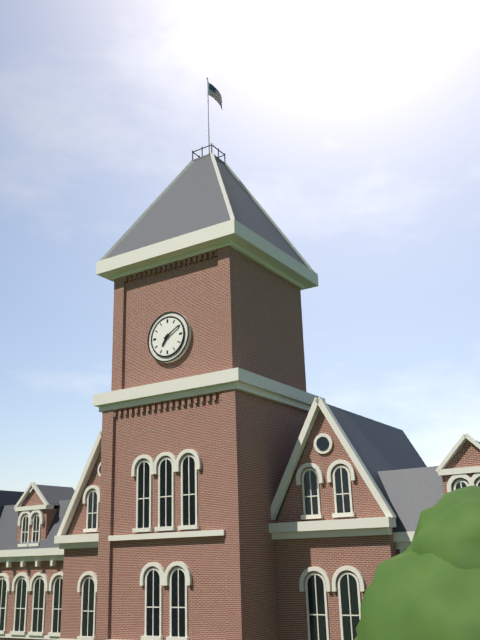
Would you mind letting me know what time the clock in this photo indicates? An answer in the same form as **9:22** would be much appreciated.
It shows **7:10**
